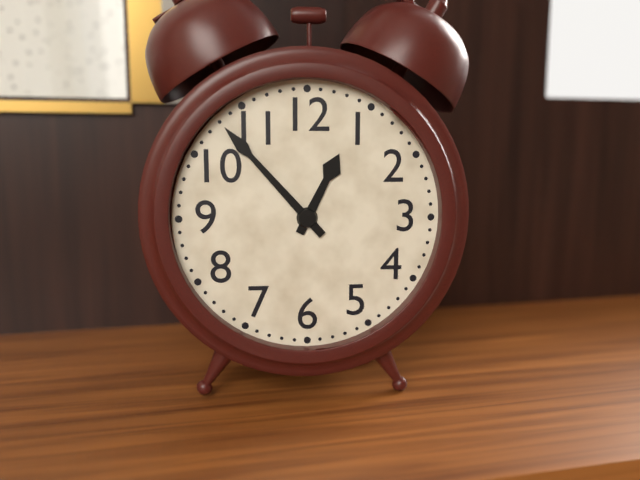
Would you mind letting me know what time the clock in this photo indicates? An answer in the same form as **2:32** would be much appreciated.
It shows **12:53**
